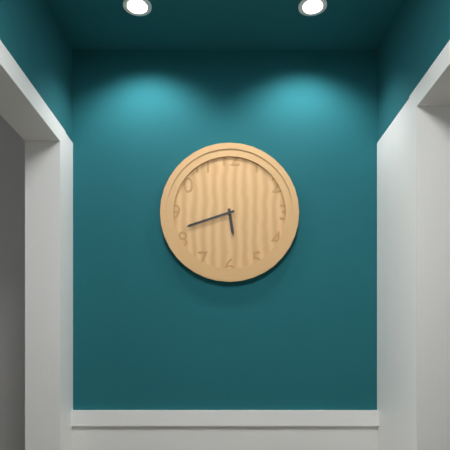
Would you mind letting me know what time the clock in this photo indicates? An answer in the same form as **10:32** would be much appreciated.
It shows **5:42**
